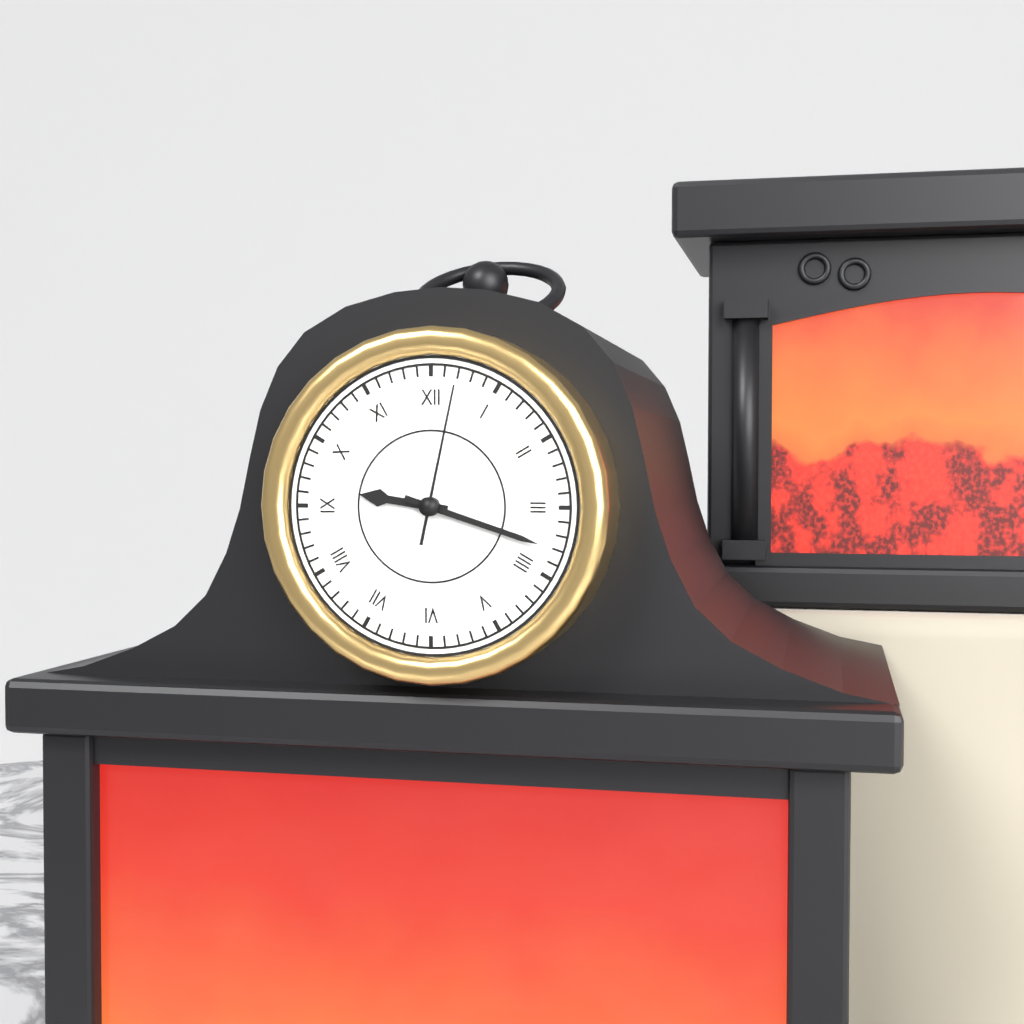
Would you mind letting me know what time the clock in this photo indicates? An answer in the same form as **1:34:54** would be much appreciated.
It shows **9:18:02**
